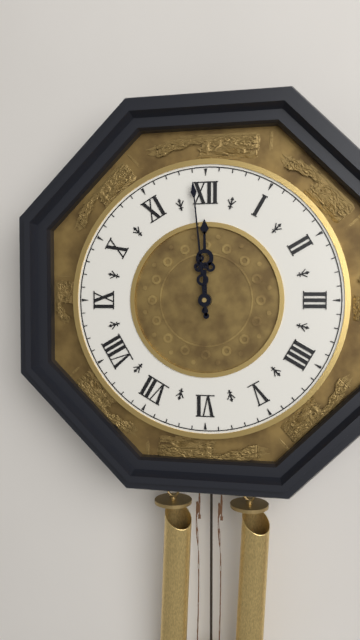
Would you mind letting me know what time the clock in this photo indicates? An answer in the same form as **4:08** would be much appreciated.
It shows **11:59**
